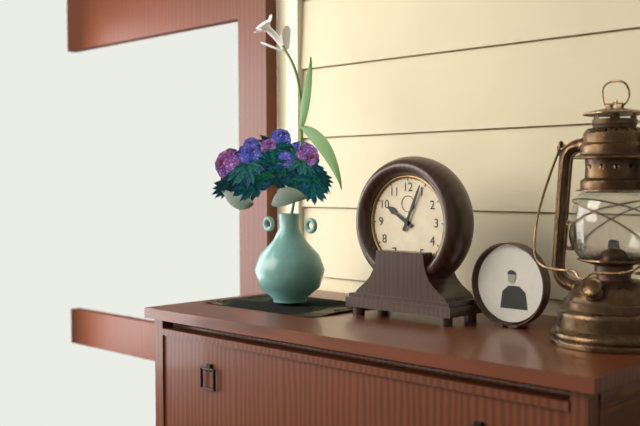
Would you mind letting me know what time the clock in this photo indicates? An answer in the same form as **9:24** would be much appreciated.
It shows **10:04**
